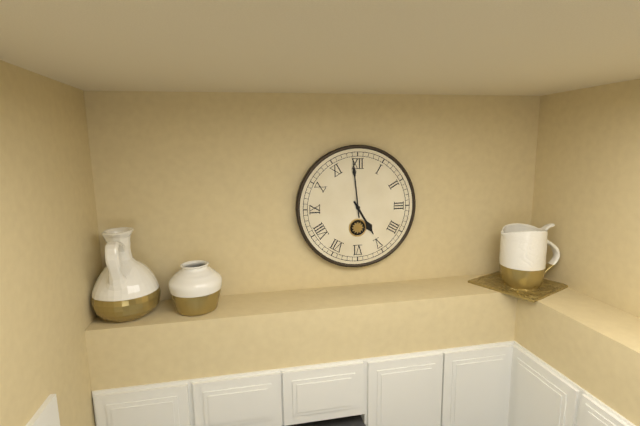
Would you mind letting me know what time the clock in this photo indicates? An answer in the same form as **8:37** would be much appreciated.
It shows **4:59**
